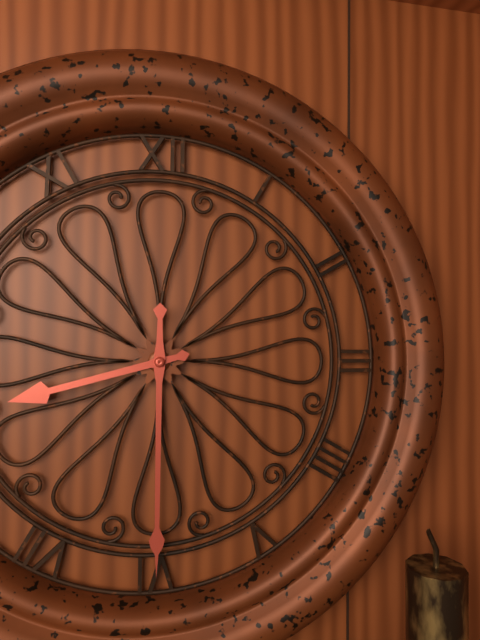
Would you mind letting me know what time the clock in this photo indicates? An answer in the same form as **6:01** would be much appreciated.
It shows **8:30**
